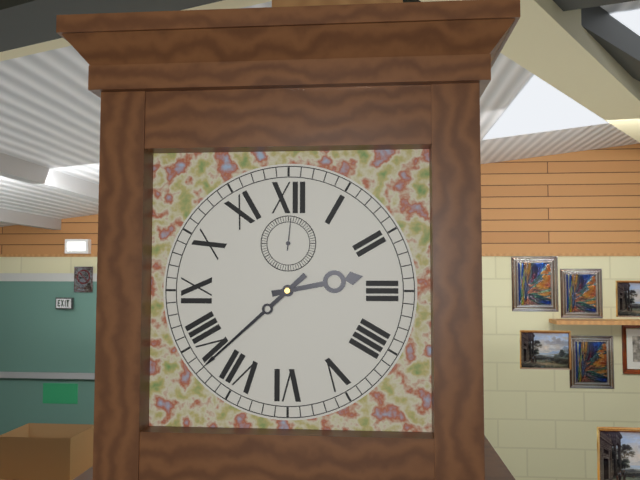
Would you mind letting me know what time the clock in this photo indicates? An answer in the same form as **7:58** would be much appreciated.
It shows **2:38**
